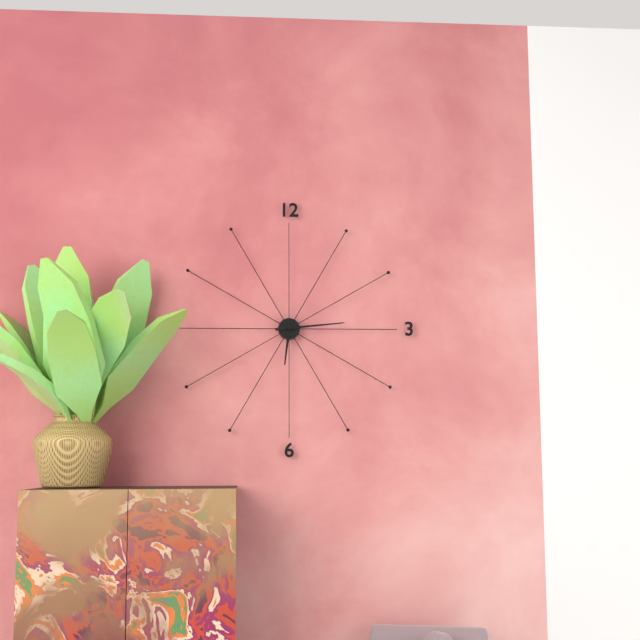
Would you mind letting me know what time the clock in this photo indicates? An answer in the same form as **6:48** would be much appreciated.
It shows **6:14**
